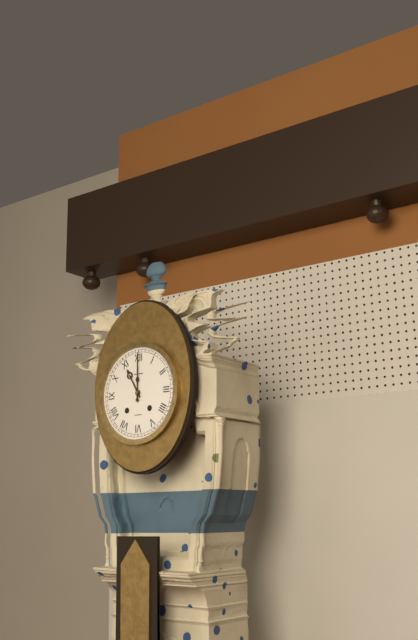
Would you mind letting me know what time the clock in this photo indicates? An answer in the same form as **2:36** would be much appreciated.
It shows **11:00**
